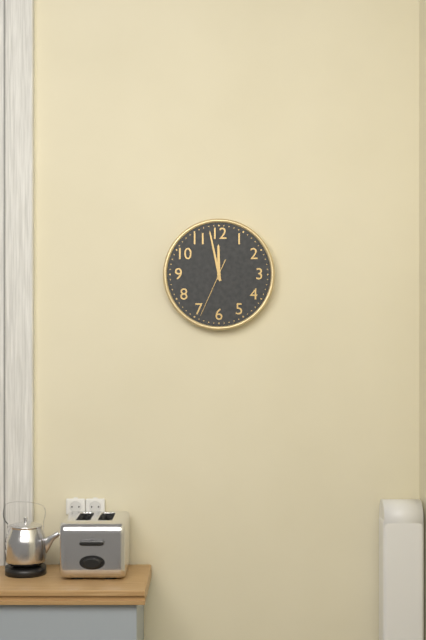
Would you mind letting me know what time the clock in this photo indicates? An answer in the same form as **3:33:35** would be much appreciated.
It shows **11:58:34**
